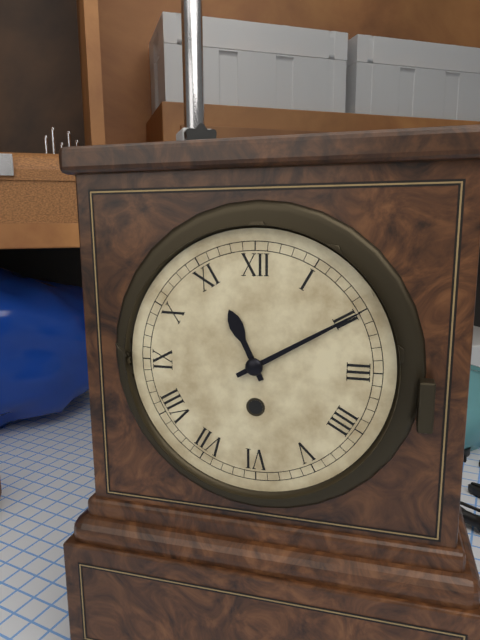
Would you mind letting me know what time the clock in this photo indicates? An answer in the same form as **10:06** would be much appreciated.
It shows **11:10**
